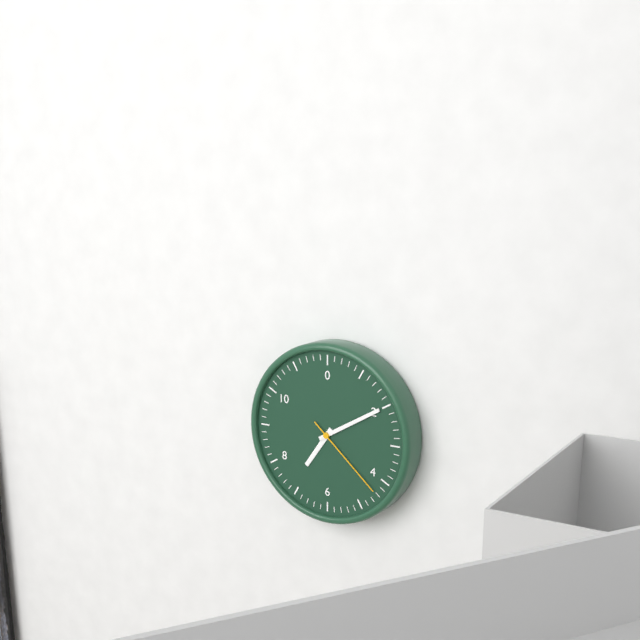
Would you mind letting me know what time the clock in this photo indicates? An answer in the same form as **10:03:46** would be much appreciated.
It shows **7:10:22**
